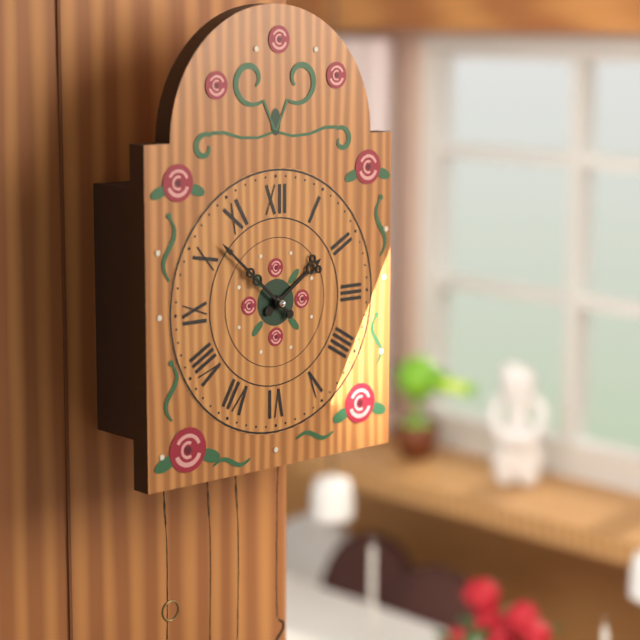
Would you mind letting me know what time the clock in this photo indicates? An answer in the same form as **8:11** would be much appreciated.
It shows **1:52**
